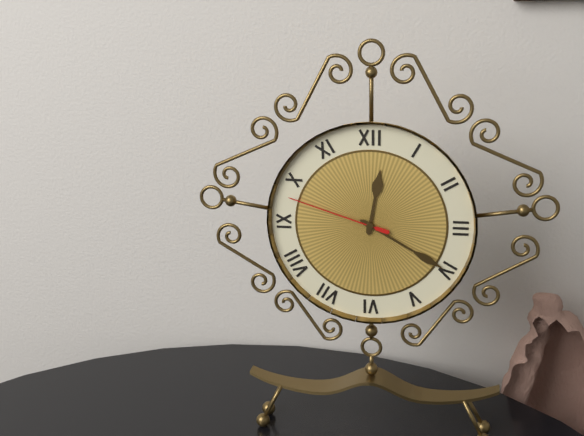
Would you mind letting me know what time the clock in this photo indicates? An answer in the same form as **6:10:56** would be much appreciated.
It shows **12:20:48**
